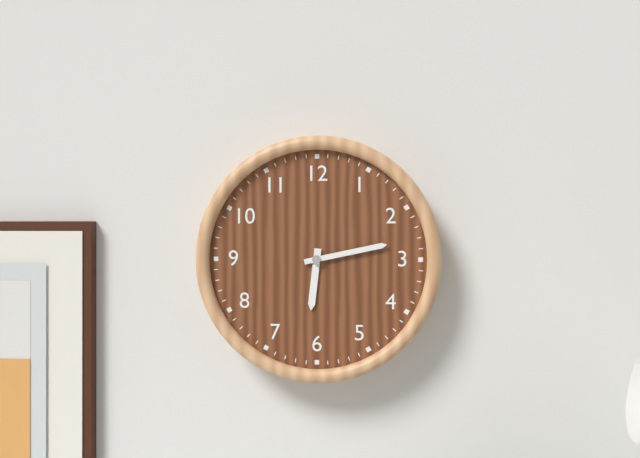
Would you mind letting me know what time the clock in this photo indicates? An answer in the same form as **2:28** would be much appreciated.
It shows **6:13**
